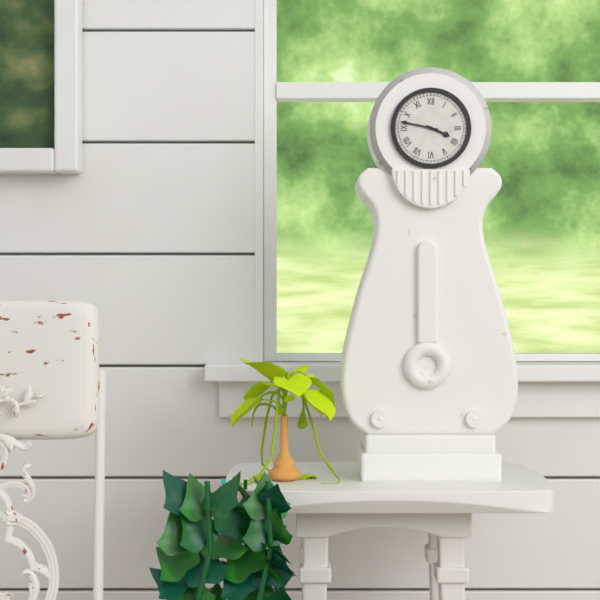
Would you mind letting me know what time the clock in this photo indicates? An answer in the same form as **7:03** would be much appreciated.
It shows **3:47**
